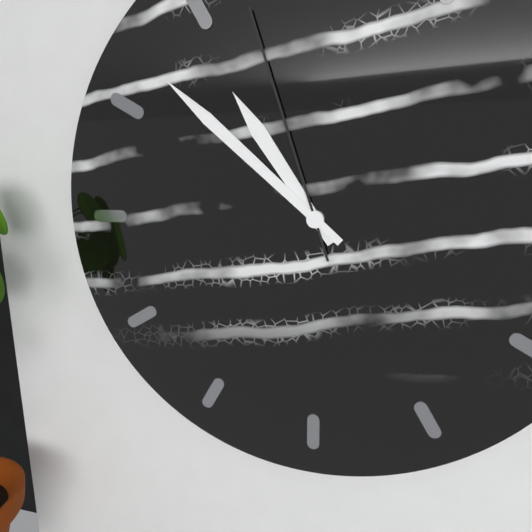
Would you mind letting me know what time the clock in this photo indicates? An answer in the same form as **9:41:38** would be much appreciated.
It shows **10:52:57**
